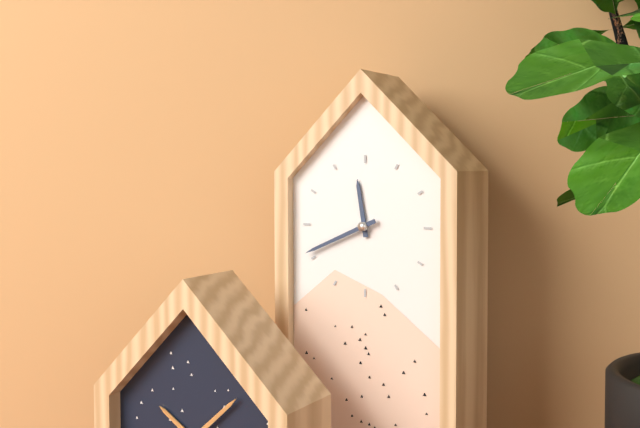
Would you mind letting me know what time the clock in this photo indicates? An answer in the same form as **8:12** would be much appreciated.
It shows **11:41**
